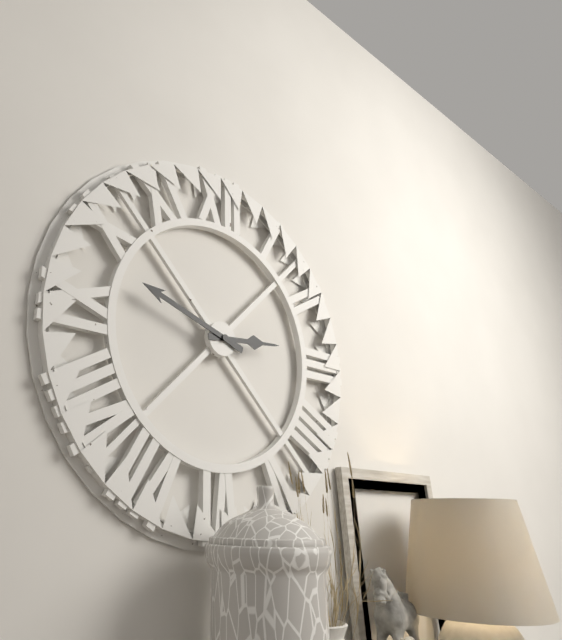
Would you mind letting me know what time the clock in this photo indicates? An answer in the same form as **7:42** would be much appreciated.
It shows **2:48**
